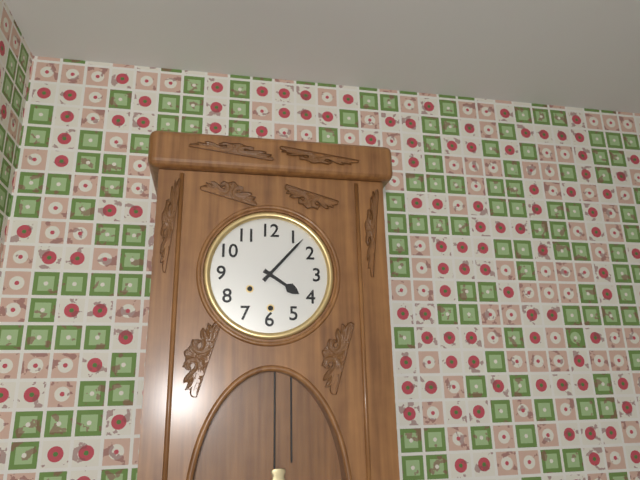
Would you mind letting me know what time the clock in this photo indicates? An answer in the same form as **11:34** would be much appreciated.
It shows **4:07**
